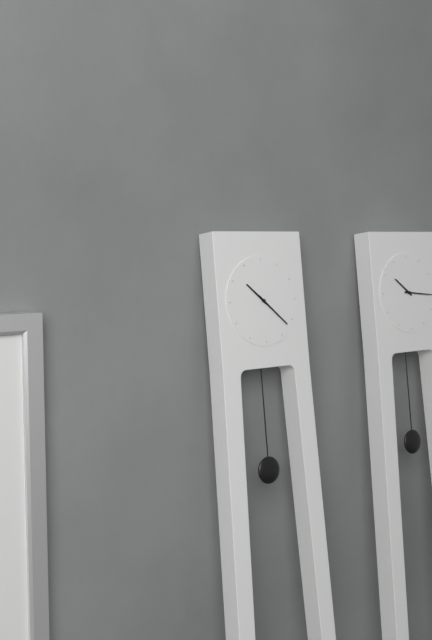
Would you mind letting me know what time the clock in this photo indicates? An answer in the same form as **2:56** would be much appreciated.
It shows **10:22**
